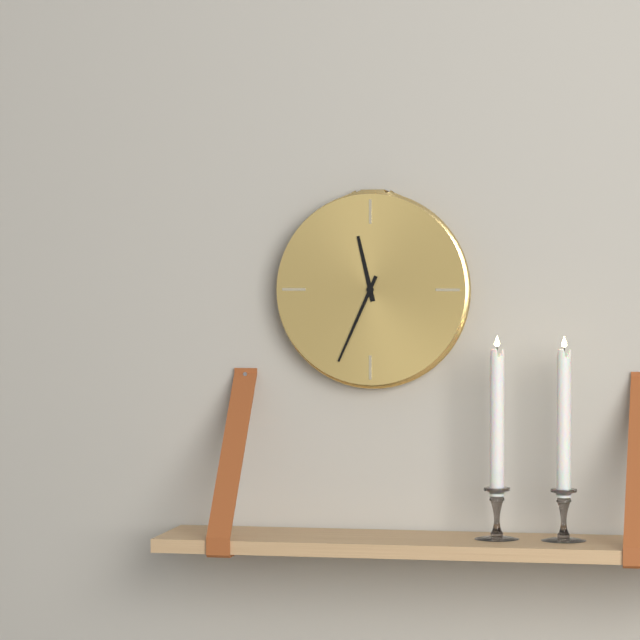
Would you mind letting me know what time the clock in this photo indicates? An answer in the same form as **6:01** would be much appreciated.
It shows **11:34**
